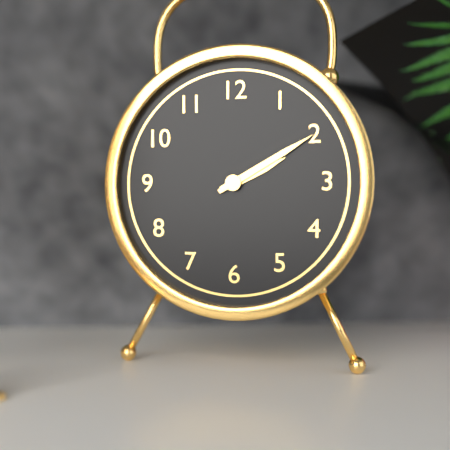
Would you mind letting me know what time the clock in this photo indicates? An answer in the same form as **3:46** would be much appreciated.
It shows **2:10**
